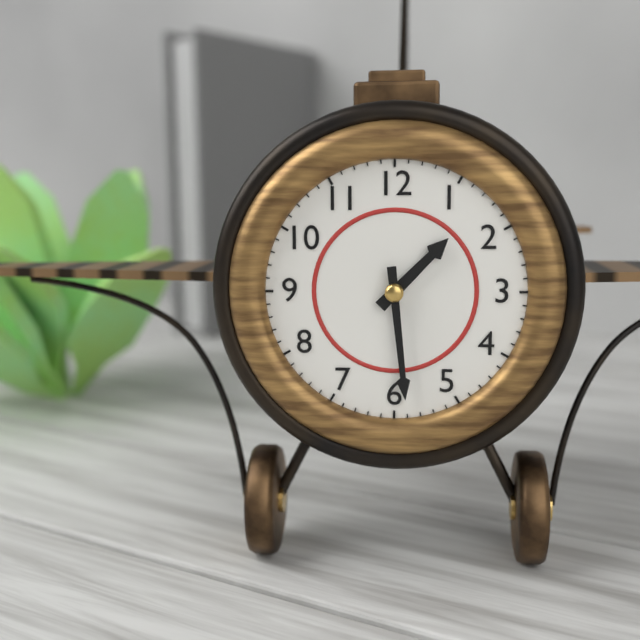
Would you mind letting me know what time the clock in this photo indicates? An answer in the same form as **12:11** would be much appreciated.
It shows **1:29**
